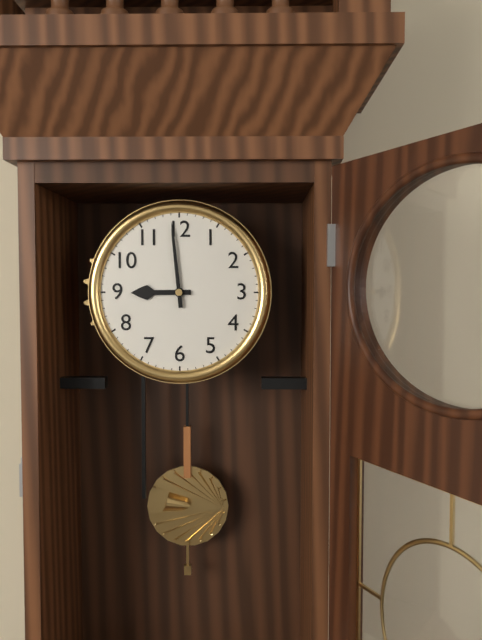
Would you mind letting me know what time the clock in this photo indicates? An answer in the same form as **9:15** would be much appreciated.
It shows **8:59**
